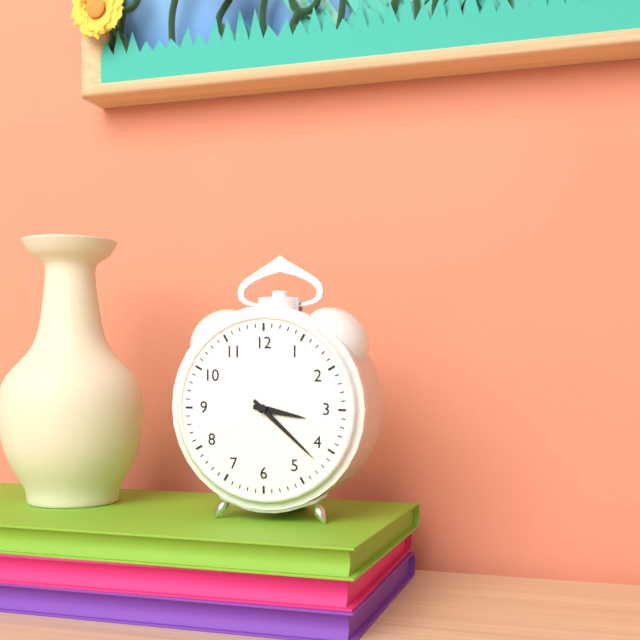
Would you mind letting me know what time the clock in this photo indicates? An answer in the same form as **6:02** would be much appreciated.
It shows **3:22**
